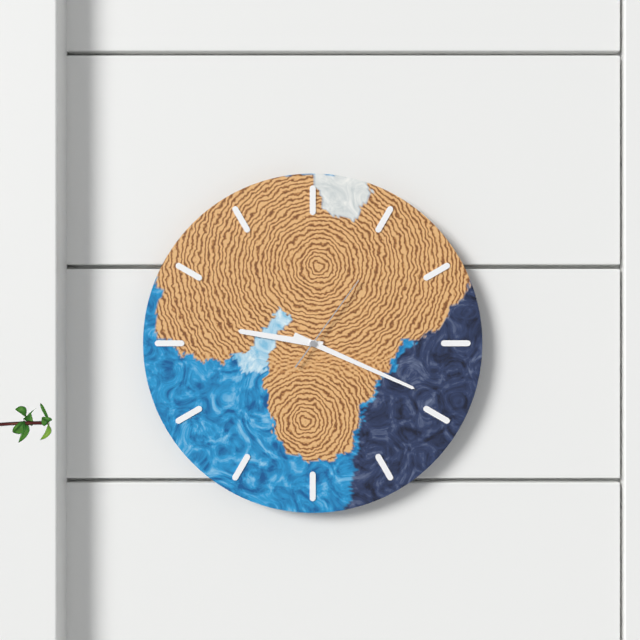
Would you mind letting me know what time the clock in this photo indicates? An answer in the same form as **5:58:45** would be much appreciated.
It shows **9:19:06**
